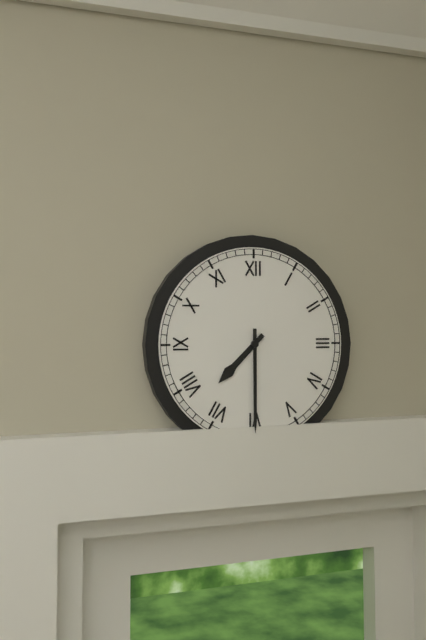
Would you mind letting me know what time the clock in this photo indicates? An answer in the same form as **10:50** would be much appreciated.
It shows **7:30**
